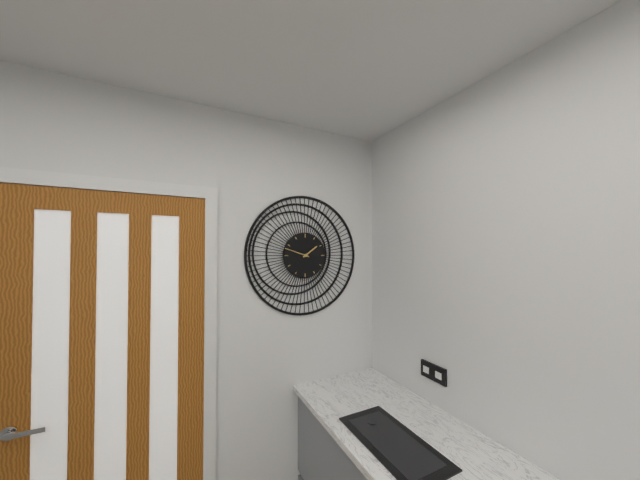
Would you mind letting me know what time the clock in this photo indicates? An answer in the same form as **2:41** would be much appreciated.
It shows **1:48**
